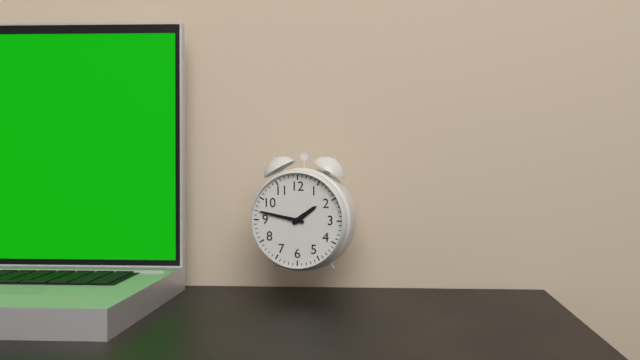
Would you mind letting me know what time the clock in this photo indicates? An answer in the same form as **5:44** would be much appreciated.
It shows **1:47**
